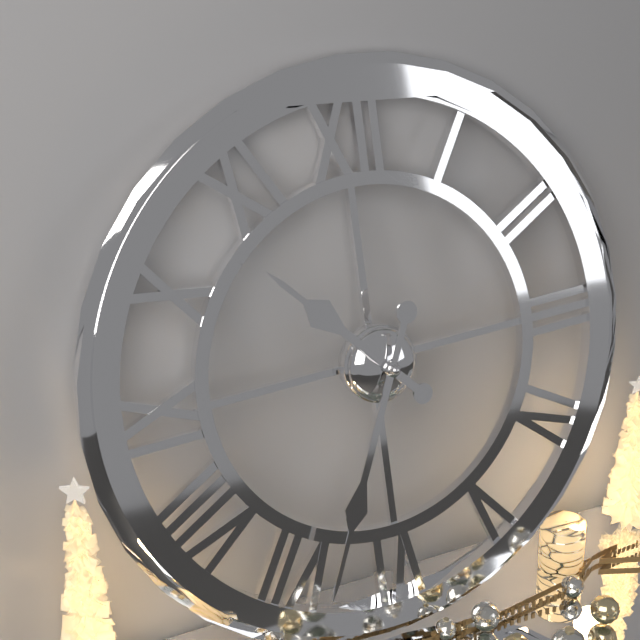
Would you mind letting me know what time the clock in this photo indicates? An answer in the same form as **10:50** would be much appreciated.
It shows **10:34**
